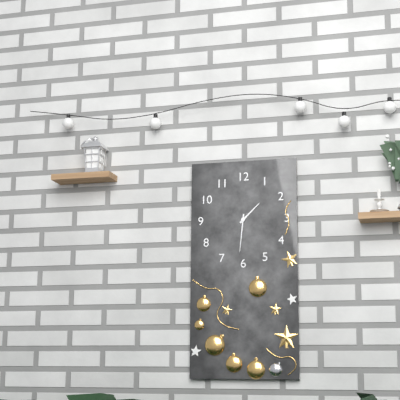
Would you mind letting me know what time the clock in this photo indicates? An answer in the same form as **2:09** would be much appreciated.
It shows **1:31**
